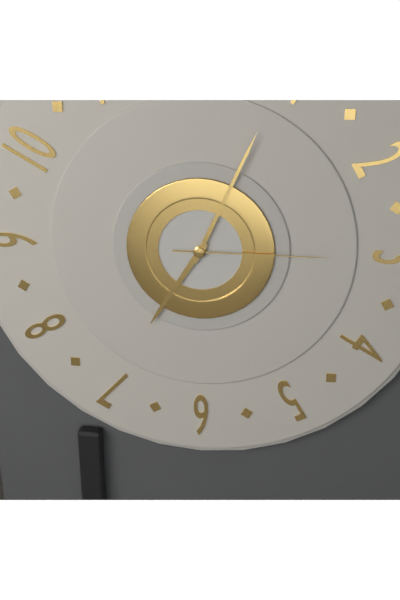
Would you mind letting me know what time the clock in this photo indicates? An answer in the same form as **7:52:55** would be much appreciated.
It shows **7:04:15**
